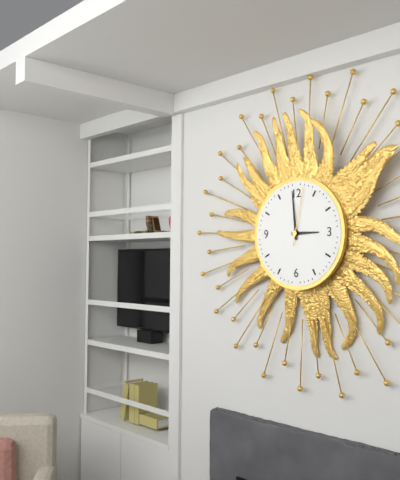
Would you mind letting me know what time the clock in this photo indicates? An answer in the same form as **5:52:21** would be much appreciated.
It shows **2:59:02**
